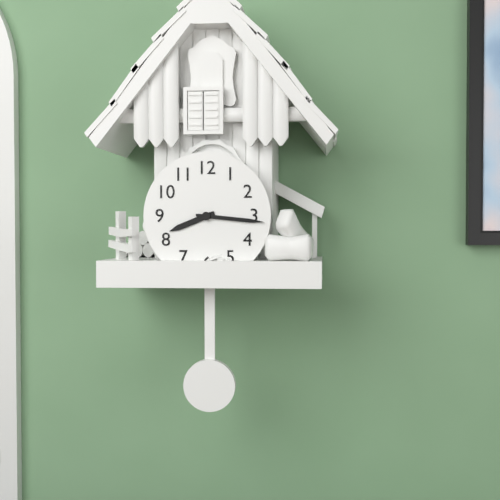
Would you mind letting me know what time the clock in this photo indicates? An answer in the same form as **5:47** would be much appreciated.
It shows **8:16**
